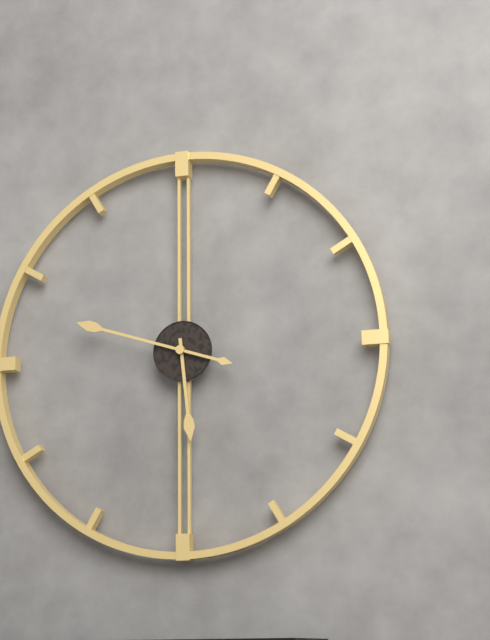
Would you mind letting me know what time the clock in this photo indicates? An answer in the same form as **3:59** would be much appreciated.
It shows **5:48**
